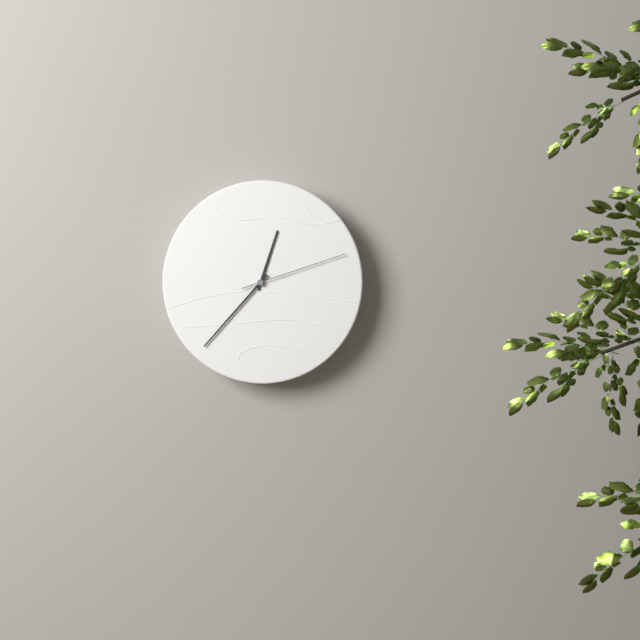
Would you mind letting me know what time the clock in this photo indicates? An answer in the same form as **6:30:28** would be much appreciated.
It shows **12:37:12**
